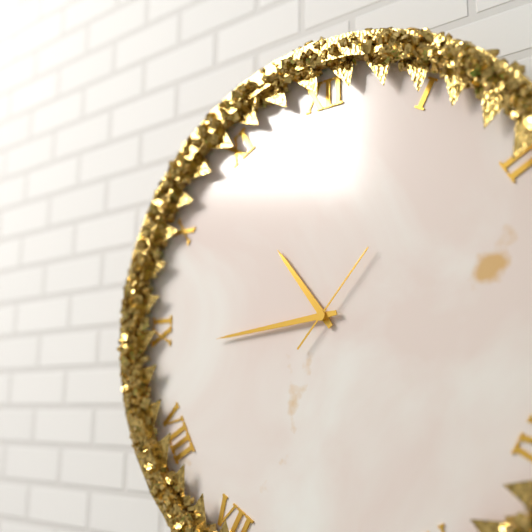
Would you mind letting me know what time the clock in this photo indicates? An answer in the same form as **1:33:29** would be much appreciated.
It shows **10:44:07**
